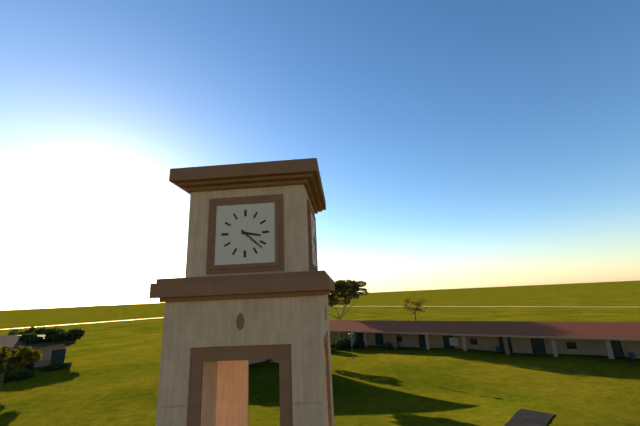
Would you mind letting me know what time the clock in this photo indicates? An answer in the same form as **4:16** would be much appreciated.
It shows **3:22**
